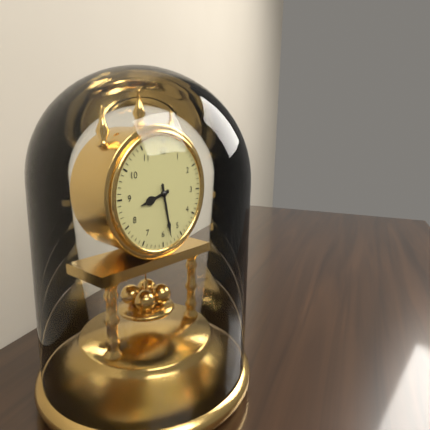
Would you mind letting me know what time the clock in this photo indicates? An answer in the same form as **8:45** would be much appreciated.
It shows **8:28**
